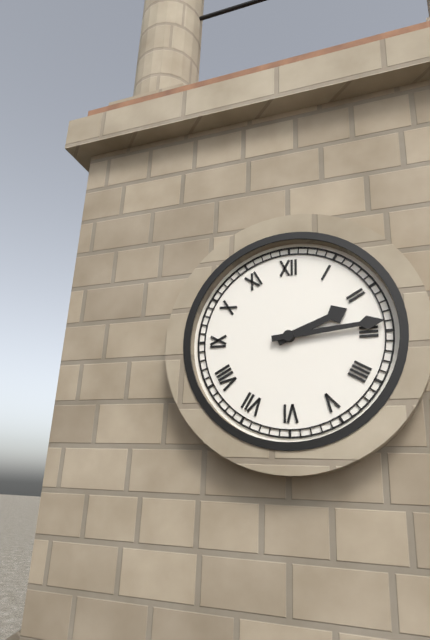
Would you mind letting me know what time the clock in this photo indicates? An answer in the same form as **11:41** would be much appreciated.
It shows **2:14**
